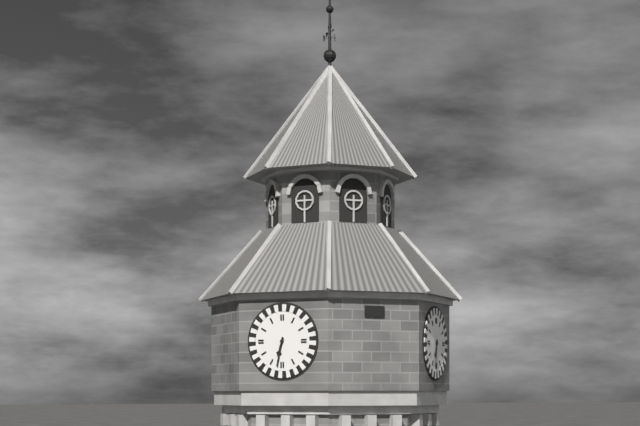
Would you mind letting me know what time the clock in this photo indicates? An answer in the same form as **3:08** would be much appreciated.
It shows **6:32**
